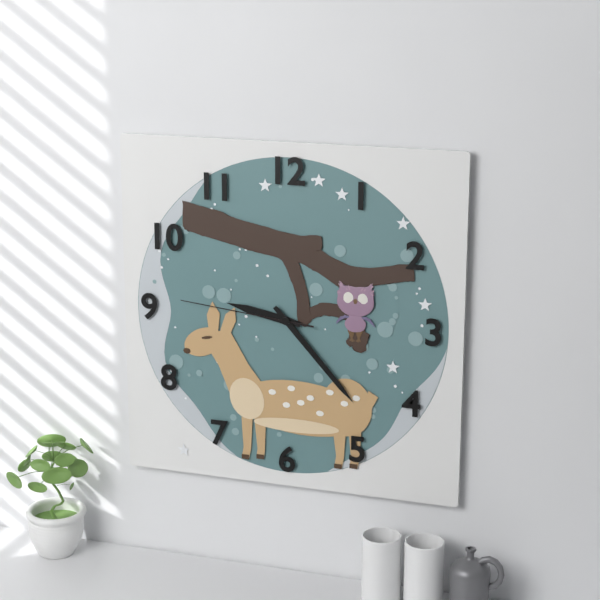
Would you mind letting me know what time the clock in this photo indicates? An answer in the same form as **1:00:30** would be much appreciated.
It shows **9:23:46**
